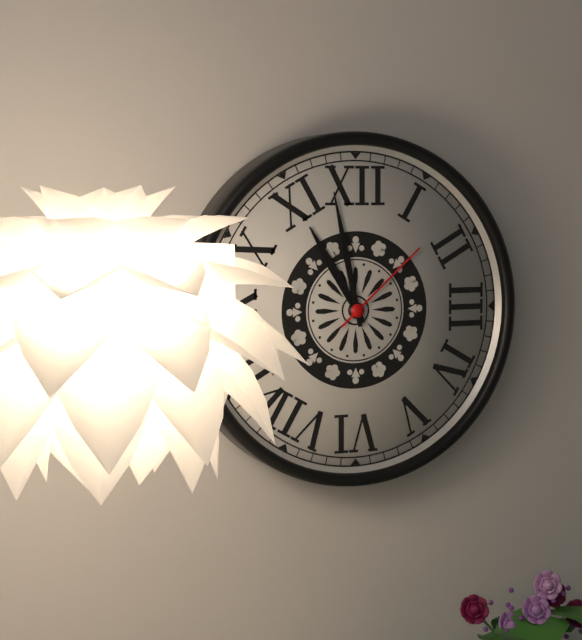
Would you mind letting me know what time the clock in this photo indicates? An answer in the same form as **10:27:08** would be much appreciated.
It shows **10:58:08**
